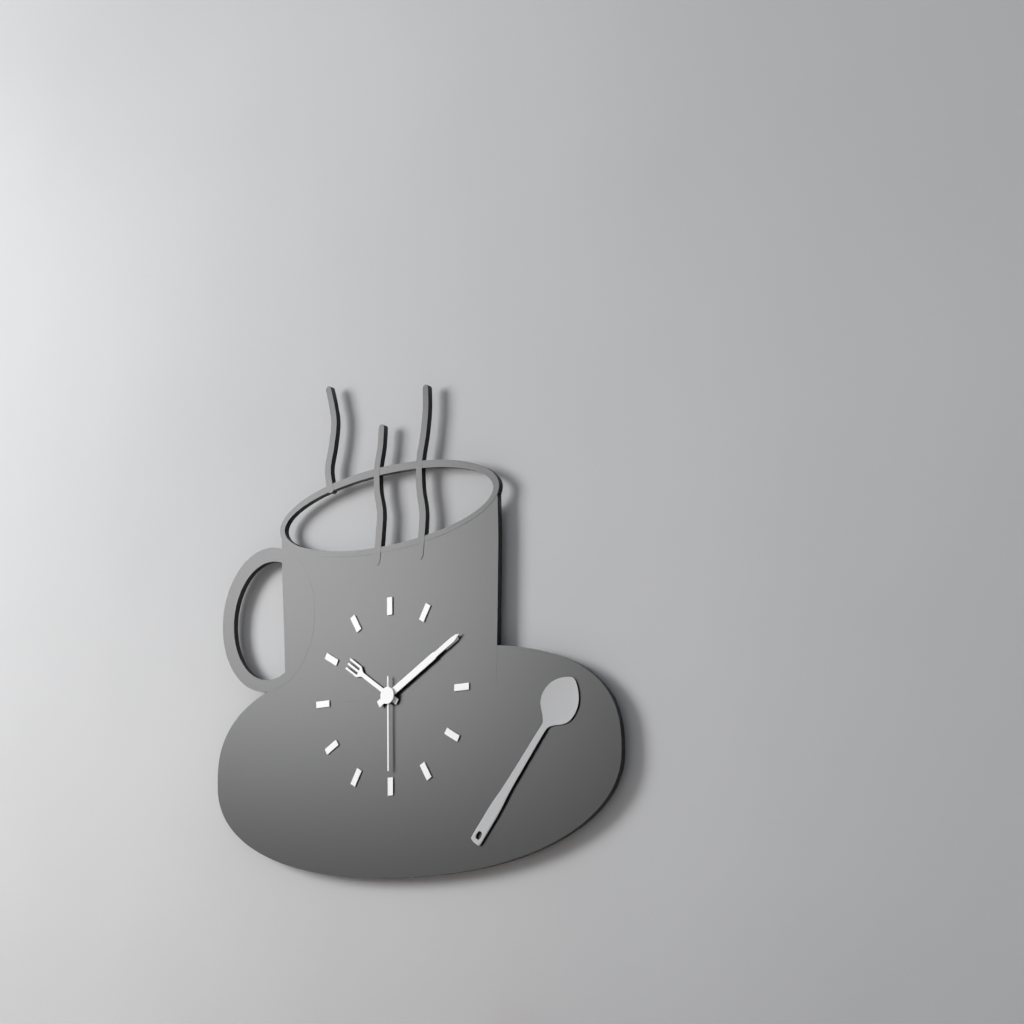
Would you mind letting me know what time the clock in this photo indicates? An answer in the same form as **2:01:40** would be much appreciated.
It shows **10:10:30**
